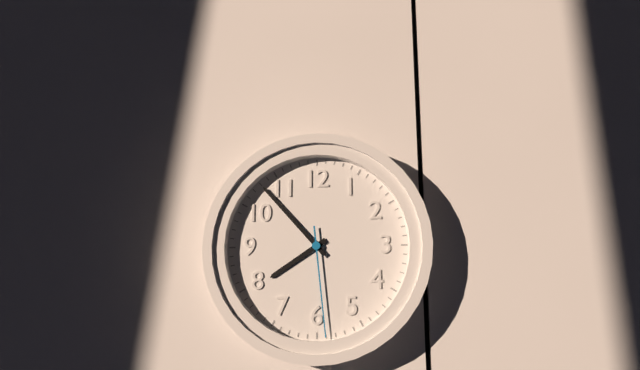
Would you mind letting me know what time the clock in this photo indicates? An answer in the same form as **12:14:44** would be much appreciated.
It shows **7:53:29**
